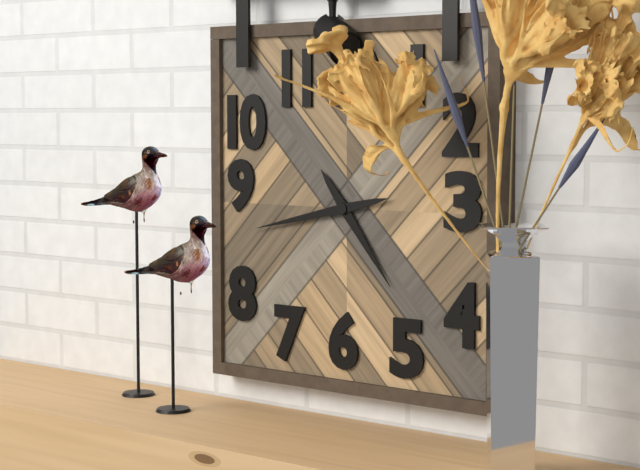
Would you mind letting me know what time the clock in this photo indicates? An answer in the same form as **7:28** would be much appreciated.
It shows **4:43**
